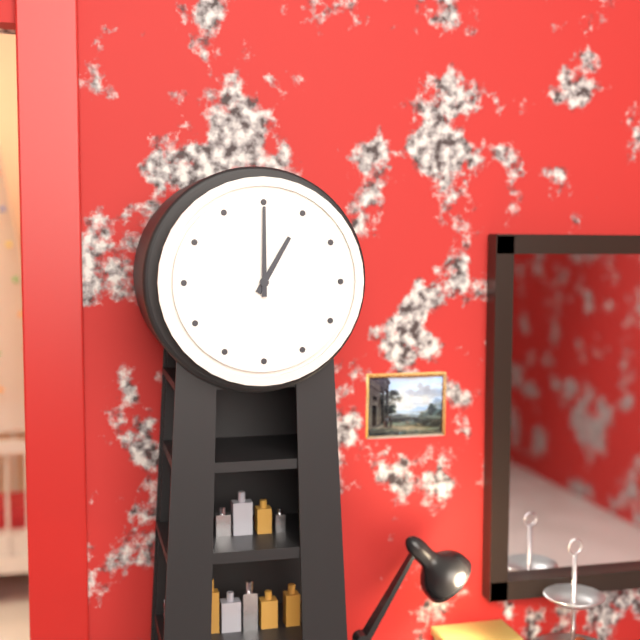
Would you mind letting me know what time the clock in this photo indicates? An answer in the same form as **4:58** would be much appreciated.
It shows **1:00**
